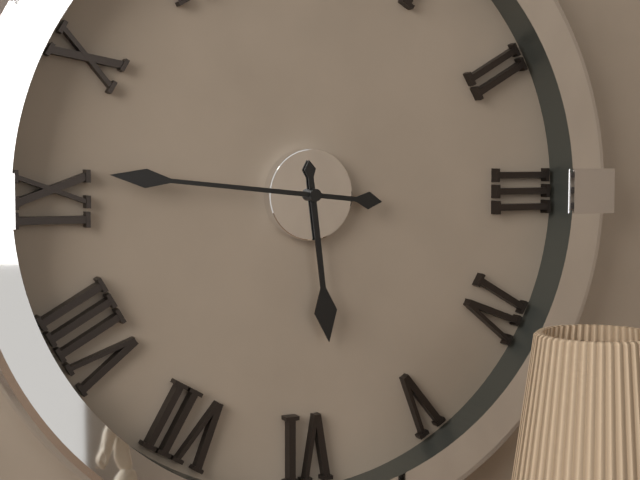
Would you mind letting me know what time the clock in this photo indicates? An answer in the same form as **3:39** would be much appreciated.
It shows **5:46**
